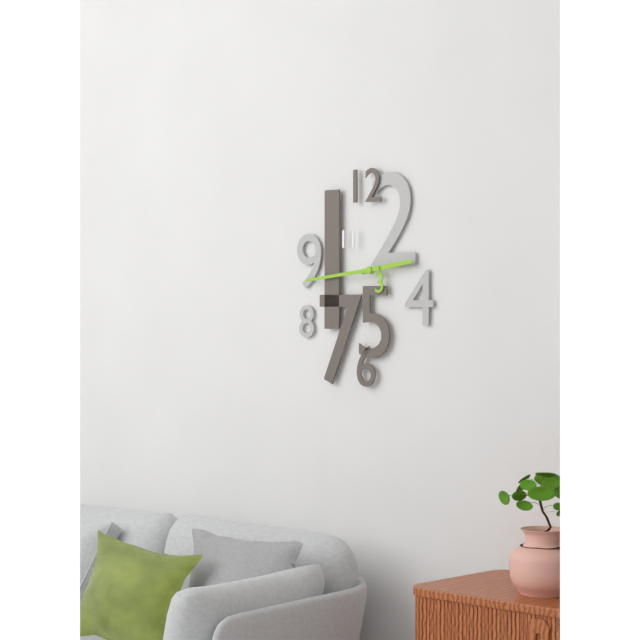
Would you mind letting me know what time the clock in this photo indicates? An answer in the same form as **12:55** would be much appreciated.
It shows **2:44**
